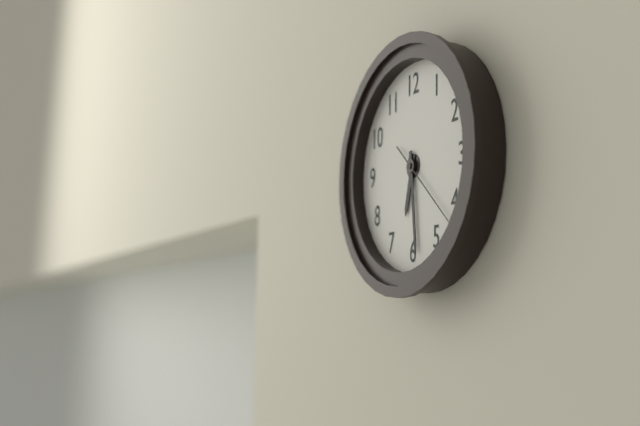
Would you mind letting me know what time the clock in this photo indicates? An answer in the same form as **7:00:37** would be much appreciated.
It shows **6:29:22**
